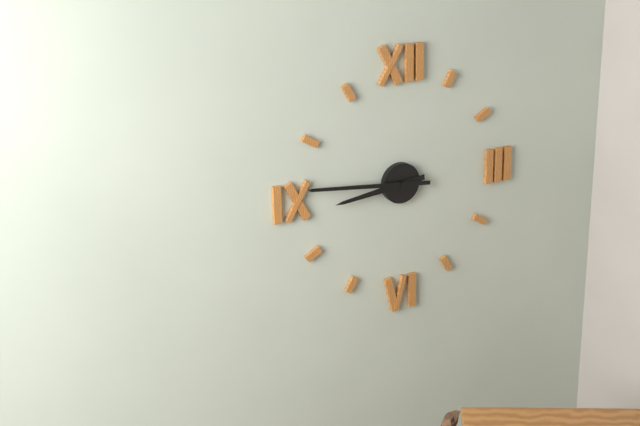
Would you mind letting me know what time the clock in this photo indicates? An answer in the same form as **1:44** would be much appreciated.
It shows **8:46**
